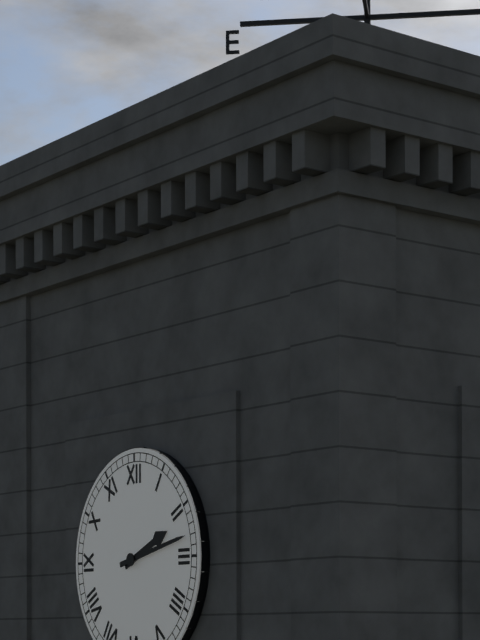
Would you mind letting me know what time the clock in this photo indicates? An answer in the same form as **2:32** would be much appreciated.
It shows **2:13**
